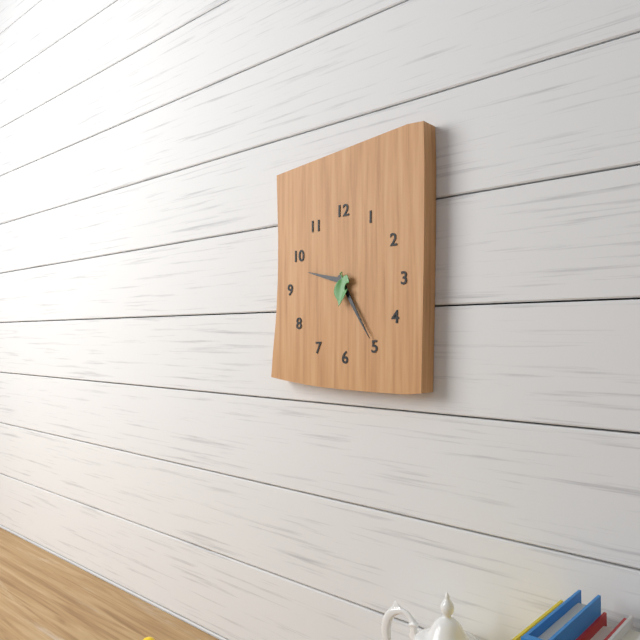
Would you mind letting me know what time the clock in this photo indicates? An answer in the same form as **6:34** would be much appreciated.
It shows **9:25**
